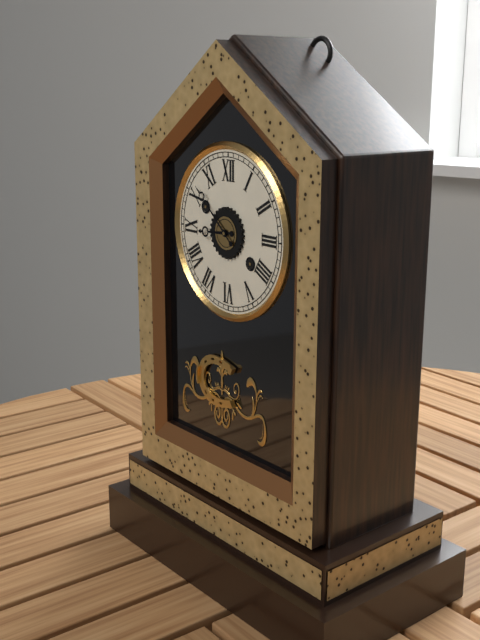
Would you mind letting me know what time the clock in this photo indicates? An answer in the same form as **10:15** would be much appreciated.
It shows **8:52**
